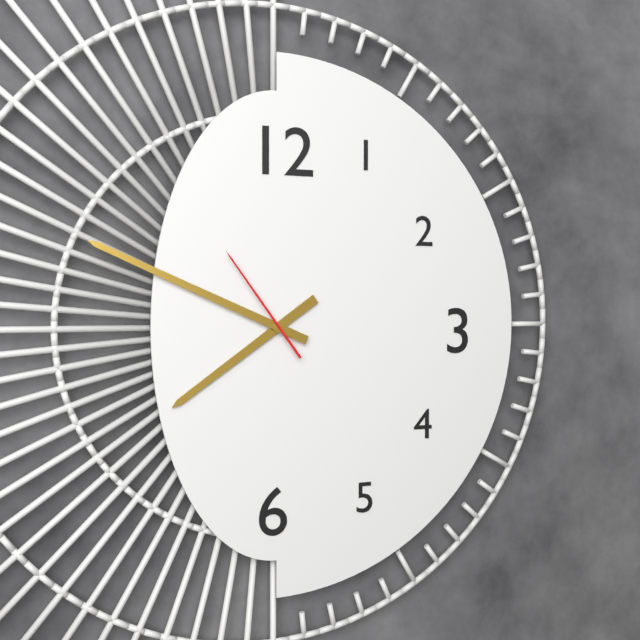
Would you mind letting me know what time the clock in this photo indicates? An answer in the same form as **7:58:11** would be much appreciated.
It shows **7:49:54**
